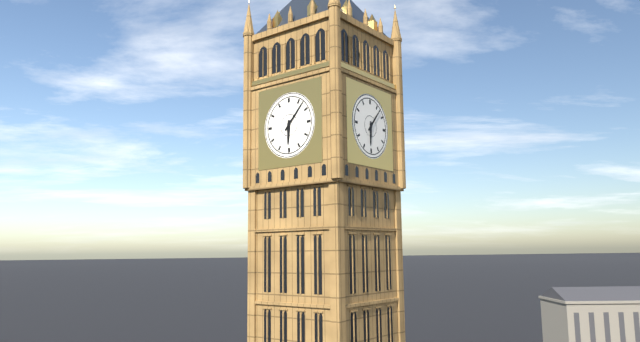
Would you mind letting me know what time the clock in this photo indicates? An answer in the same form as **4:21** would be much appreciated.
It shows **6:07**
